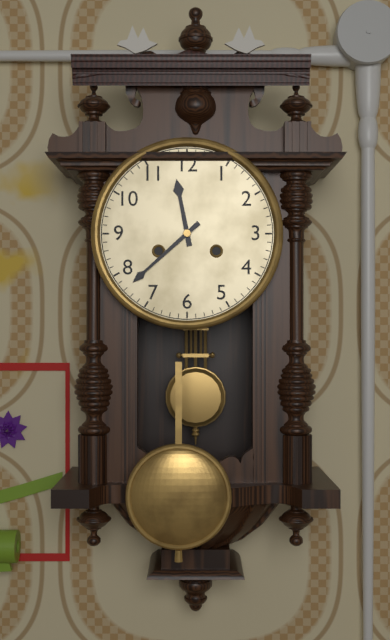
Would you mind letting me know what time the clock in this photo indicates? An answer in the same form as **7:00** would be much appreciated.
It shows **11:38**
